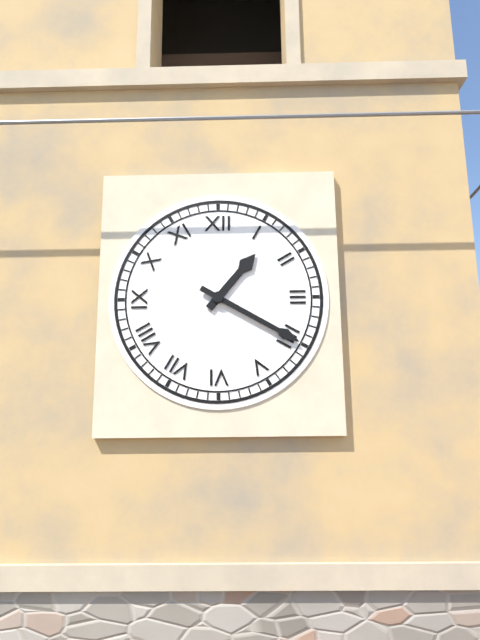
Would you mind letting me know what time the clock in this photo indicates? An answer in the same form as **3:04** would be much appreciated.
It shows **1:20**
